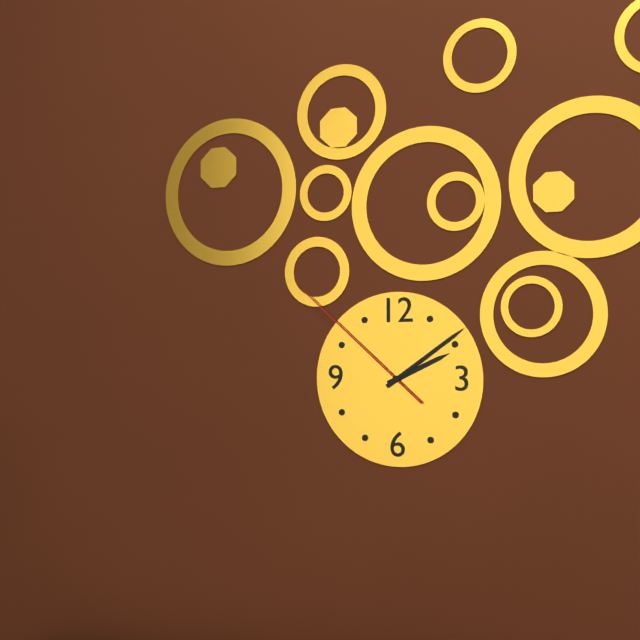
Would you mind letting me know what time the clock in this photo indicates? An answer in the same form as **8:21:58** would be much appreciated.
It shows **2:09:52**
